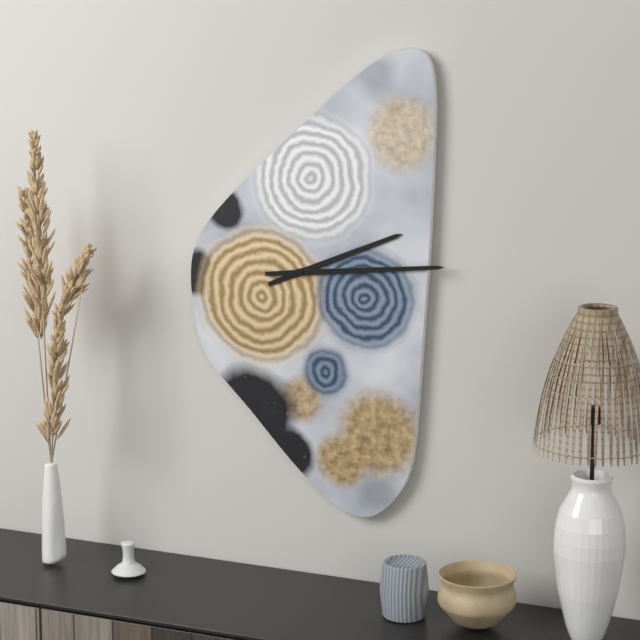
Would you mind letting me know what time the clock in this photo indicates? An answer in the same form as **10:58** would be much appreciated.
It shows **2:14**
